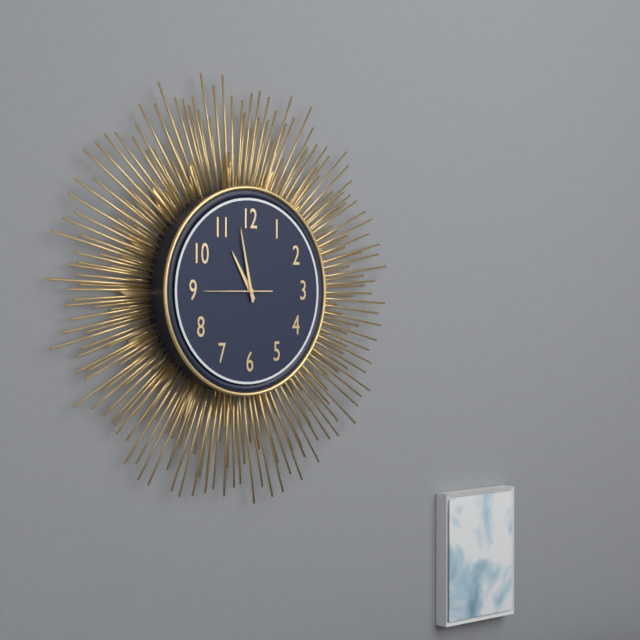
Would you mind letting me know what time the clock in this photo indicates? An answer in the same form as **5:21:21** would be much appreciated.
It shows **10:58:45**
